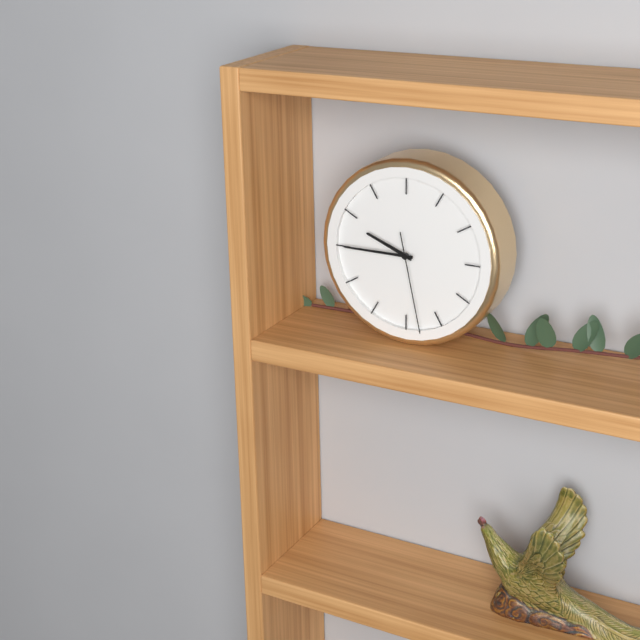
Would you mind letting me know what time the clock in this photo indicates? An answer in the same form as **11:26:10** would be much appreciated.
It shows **9:45:28**
